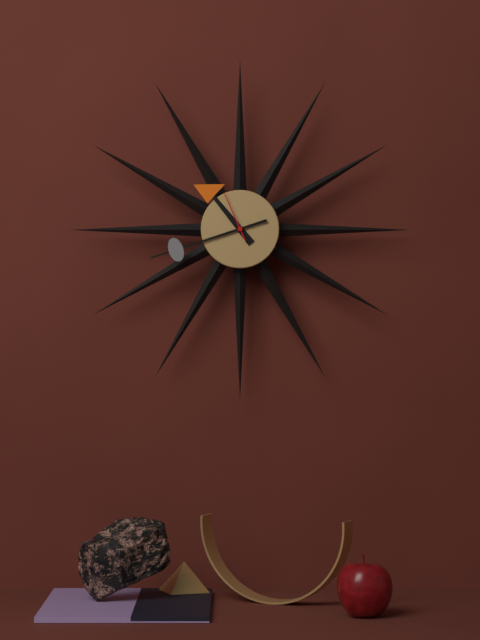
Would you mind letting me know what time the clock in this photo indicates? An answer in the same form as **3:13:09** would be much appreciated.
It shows **10:42:56**
